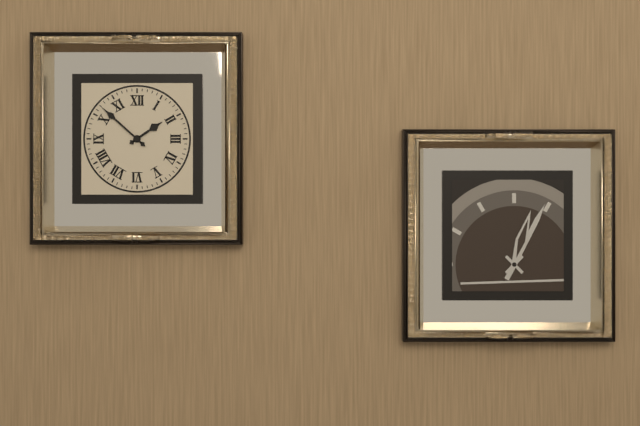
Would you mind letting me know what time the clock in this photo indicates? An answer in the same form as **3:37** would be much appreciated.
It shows **1:52**
